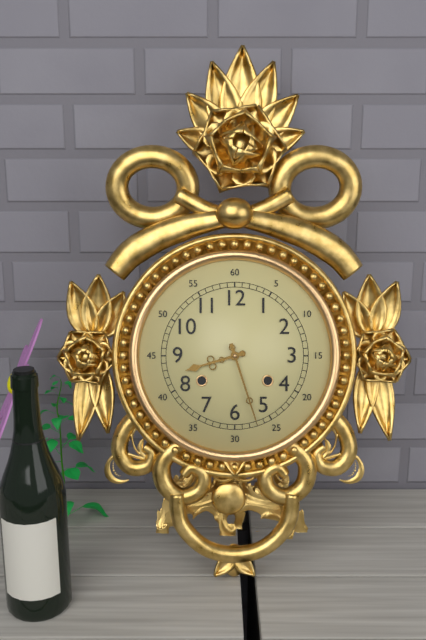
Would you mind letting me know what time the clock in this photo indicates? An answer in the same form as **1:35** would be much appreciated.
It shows **8:27**
